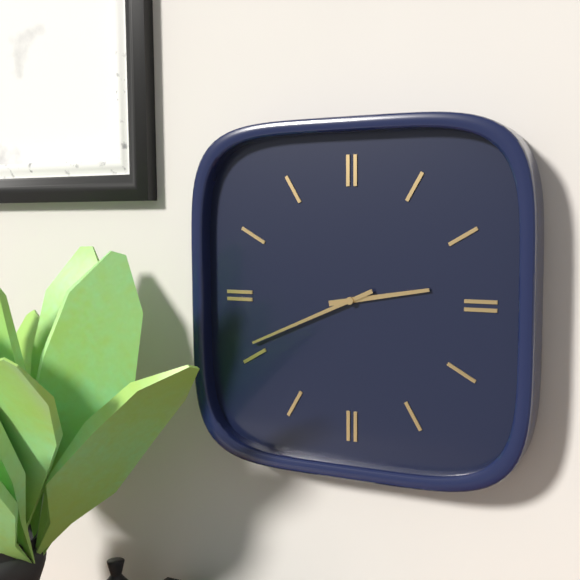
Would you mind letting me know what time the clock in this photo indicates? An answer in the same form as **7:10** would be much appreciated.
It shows **2:41**
